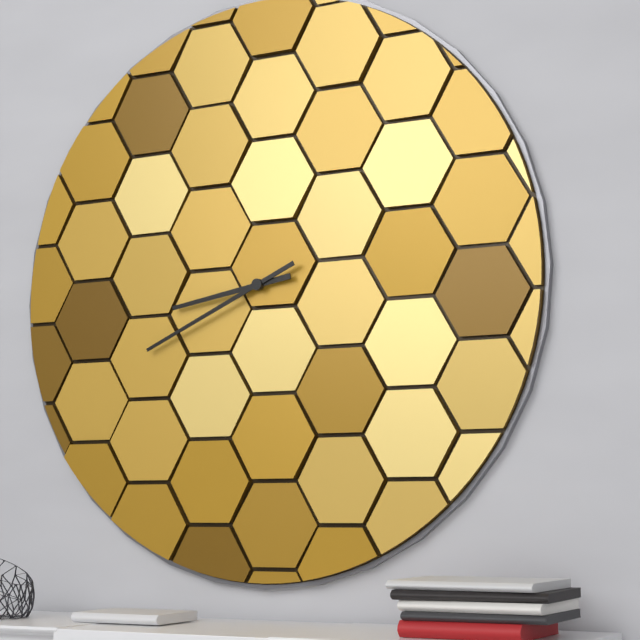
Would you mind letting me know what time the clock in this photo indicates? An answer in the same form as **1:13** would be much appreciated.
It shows **8:41**
